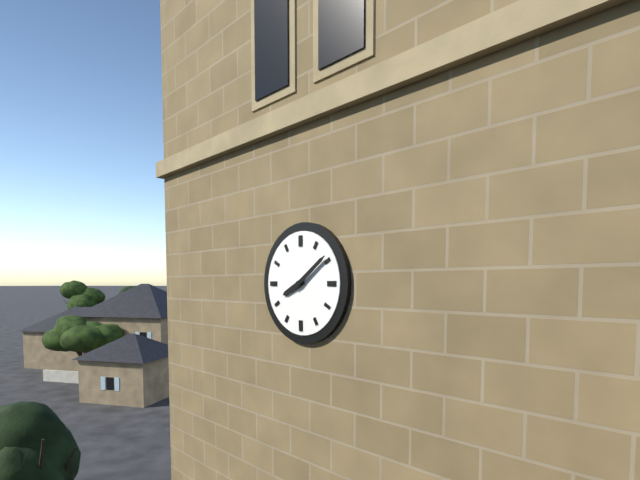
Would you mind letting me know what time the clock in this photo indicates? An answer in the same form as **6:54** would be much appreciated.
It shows **8:09**
